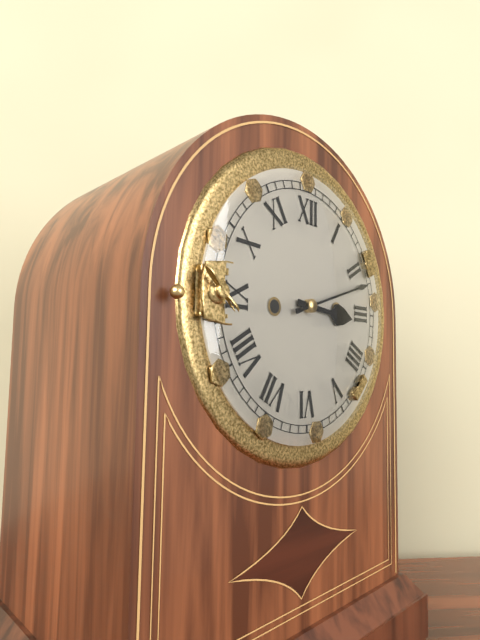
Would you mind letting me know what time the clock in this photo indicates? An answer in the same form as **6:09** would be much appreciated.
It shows **3:12**
